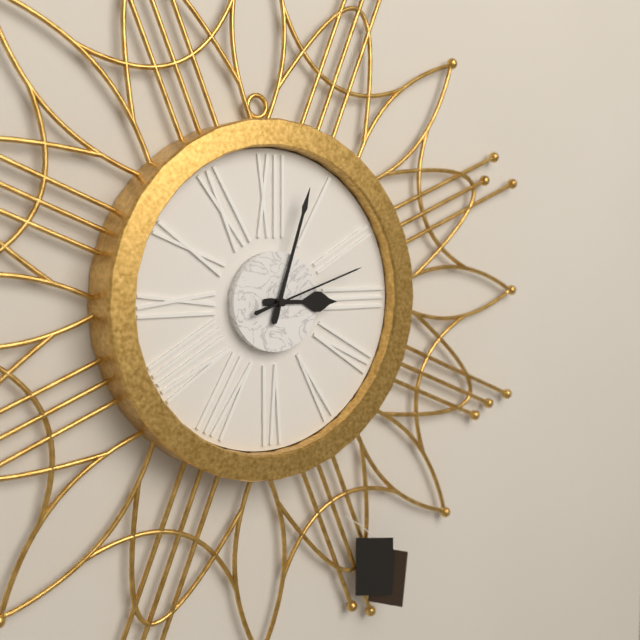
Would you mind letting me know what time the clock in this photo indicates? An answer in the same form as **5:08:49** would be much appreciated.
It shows **3:03:12**
